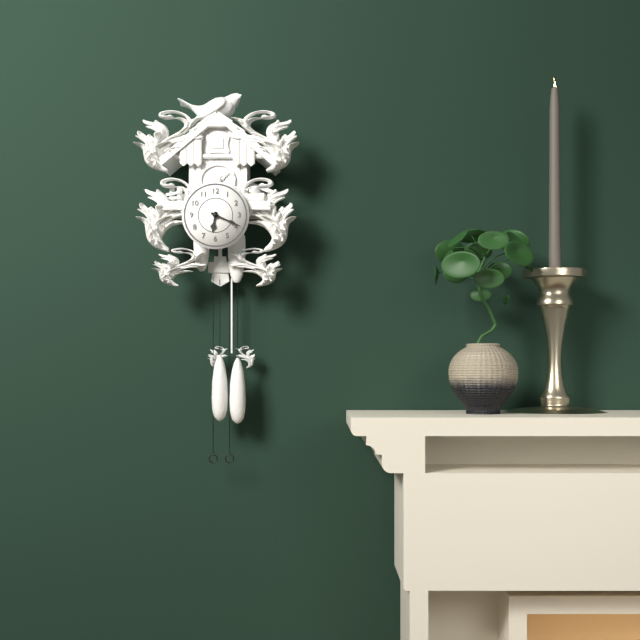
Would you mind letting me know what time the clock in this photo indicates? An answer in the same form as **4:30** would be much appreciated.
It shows **6:19**
